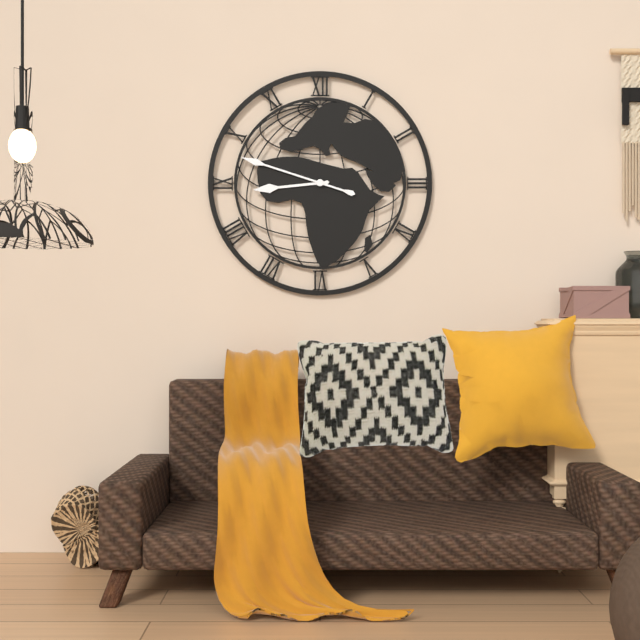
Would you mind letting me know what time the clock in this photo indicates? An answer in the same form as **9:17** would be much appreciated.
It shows **8:48**
